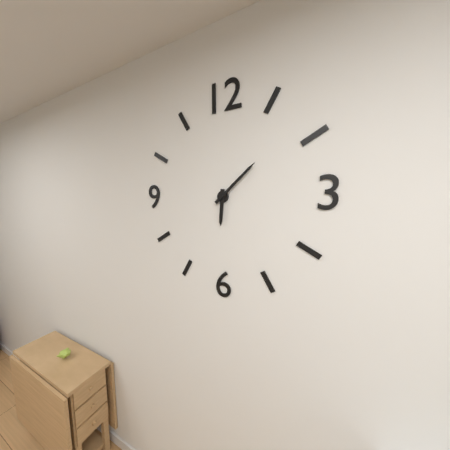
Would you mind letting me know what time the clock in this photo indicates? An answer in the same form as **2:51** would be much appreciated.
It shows **6:08**
